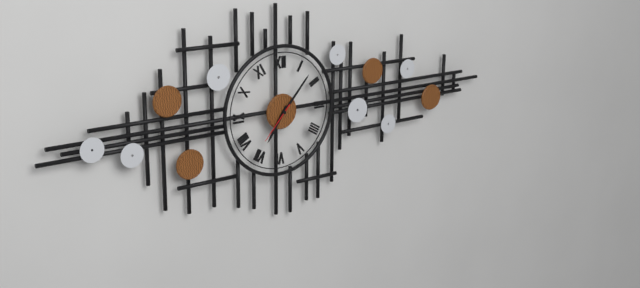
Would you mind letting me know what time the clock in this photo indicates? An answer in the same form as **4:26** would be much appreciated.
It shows **7:07**
